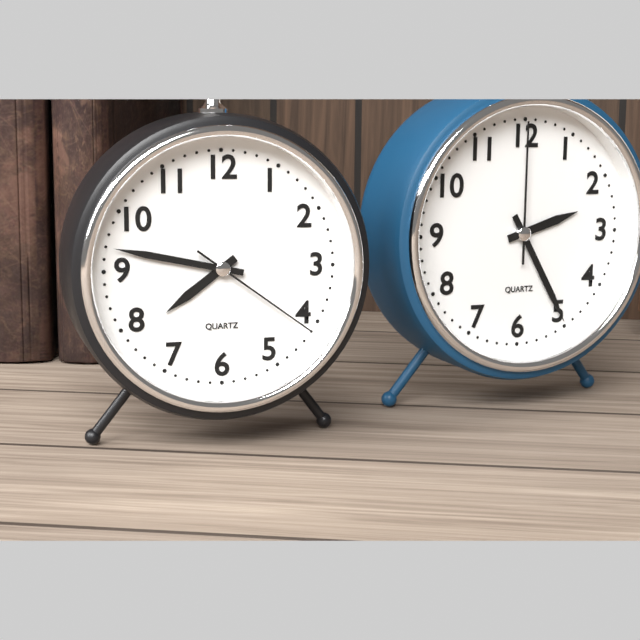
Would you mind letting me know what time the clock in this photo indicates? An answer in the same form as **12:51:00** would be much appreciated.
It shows **7:47:21**
